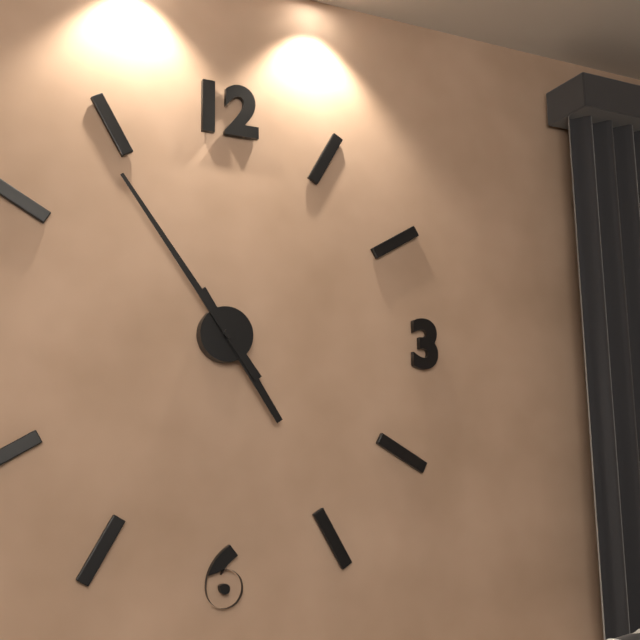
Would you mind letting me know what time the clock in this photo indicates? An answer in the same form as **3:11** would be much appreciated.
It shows **4:54**
